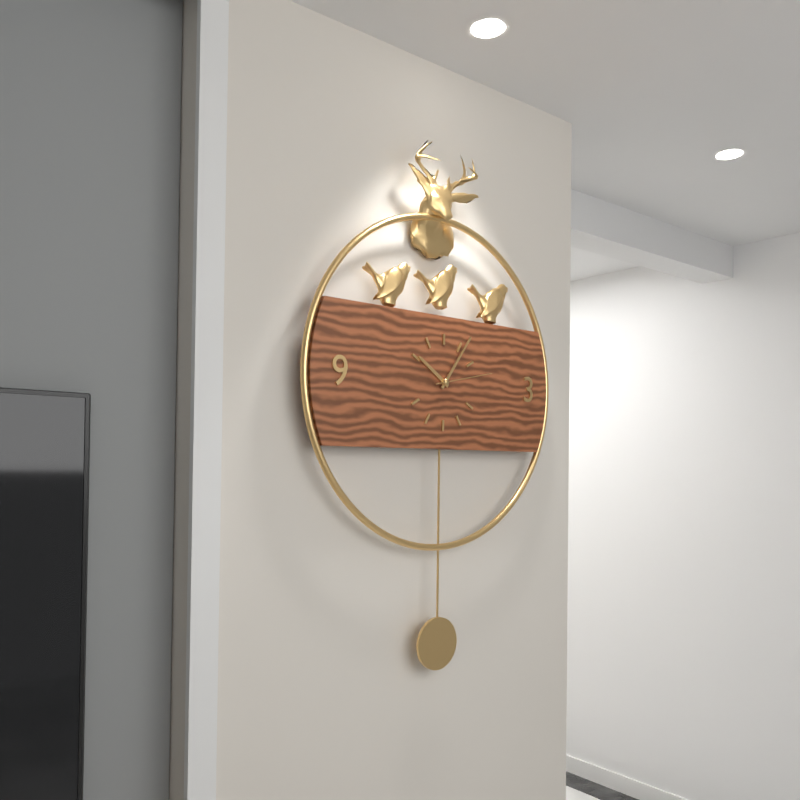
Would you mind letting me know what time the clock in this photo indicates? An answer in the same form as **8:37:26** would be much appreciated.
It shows **10:06:13**
